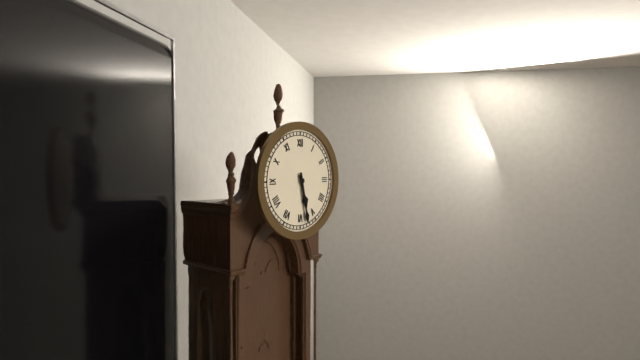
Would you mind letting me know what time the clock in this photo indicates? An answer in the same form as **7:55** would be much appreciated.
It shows **5:28**
